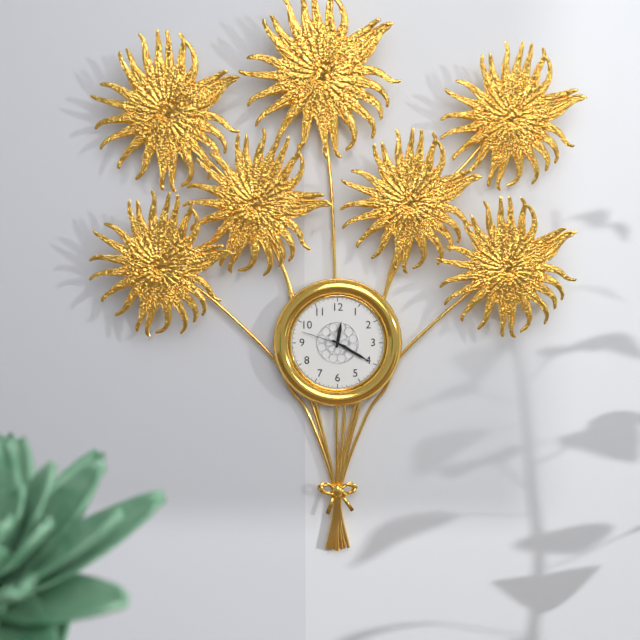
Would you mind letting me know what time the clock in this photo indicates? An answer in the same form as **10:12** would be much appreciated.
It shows **12:20**
